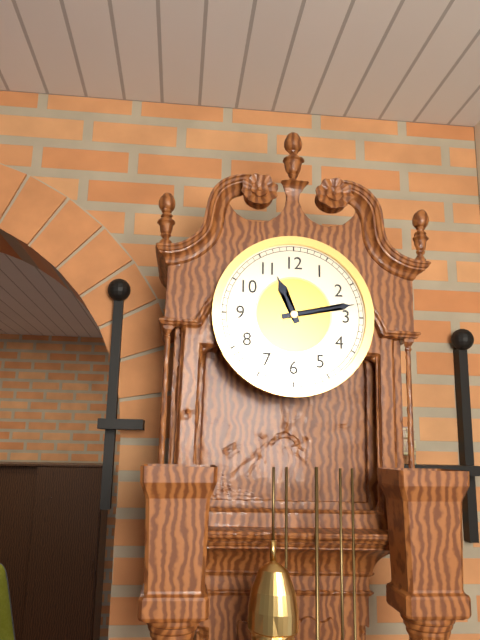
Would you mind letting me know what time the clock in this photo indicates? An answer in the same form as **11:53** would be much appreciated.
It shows **11:13**
